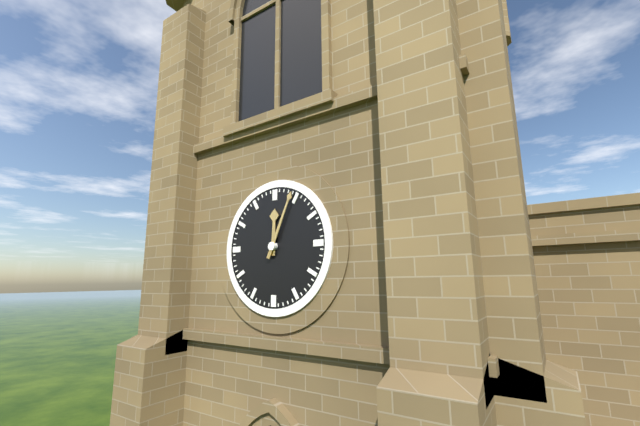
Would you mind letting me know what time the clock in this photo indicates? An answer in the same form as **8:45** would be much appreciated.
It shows **12:04**
